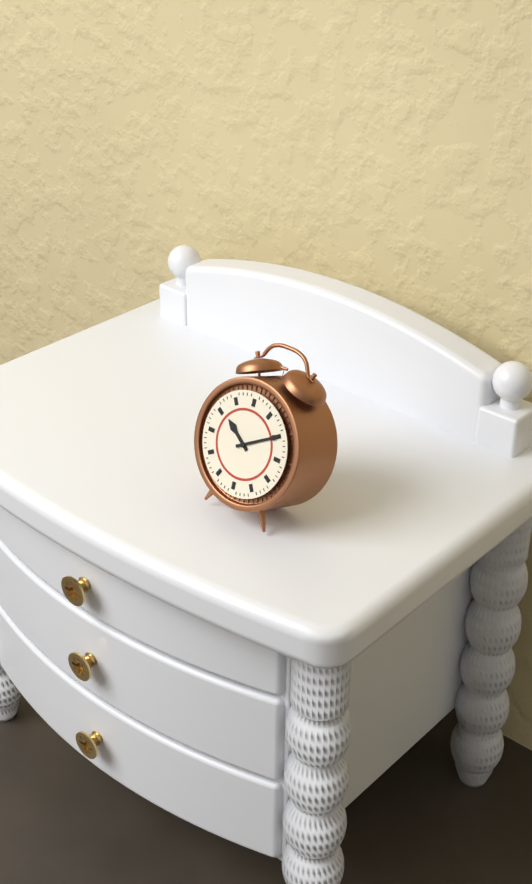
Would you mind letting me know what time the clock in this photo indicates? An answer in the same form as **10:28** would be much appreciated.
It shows **10:10**
